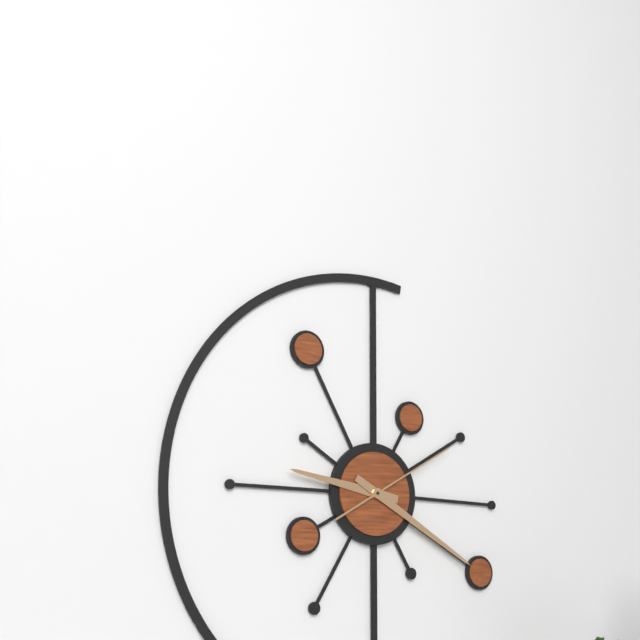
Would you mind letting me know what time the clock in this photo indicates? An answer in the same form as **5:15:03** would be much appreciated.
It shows **9:20:10**
